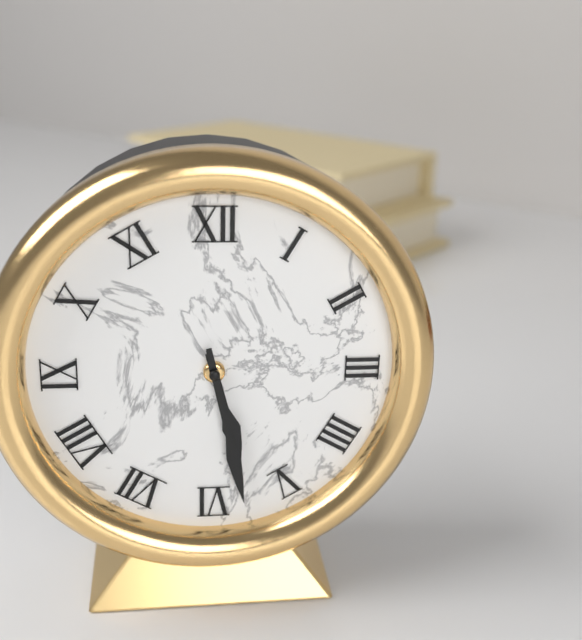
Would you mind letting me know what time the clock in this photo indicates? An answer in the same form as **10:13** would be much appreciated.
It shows **5:28**
